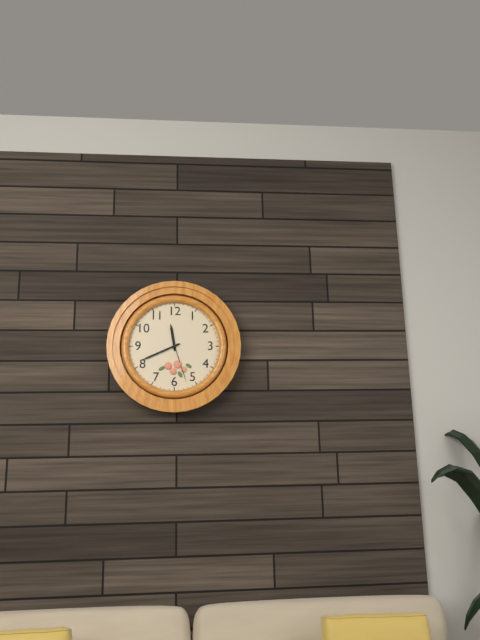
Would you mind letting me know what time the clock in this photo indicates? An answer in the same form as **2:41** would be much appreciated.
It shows **11:41**
